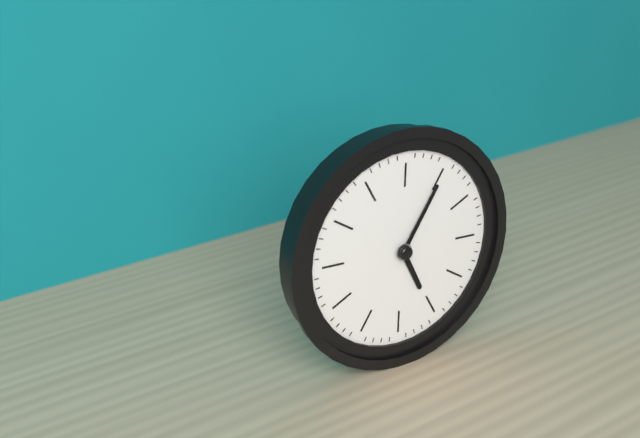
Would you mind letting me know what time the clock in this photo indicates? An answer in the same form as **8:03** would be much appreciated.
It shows **5:05**
